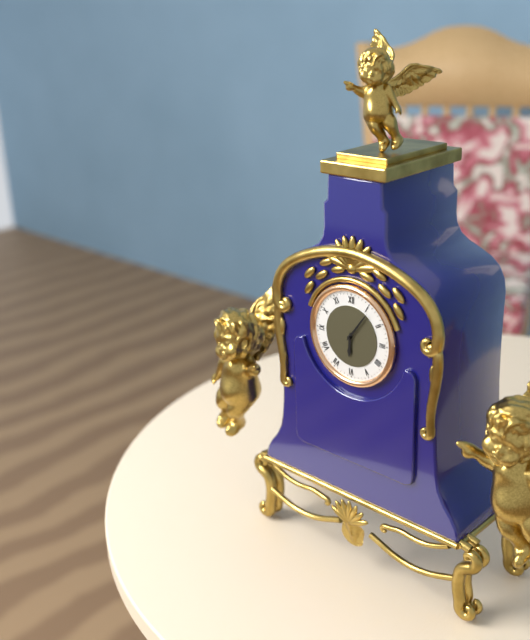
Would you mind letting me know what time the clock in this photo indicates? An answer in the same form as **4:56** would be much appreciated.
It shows **6:06**
